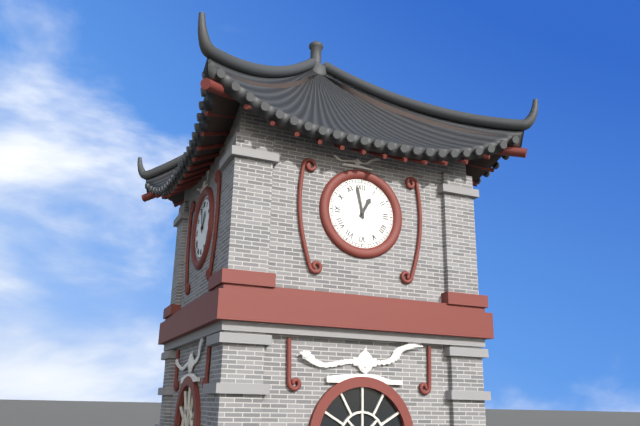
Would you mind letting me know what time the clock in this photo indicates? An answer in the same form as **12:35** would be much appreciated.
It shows **12:58**
